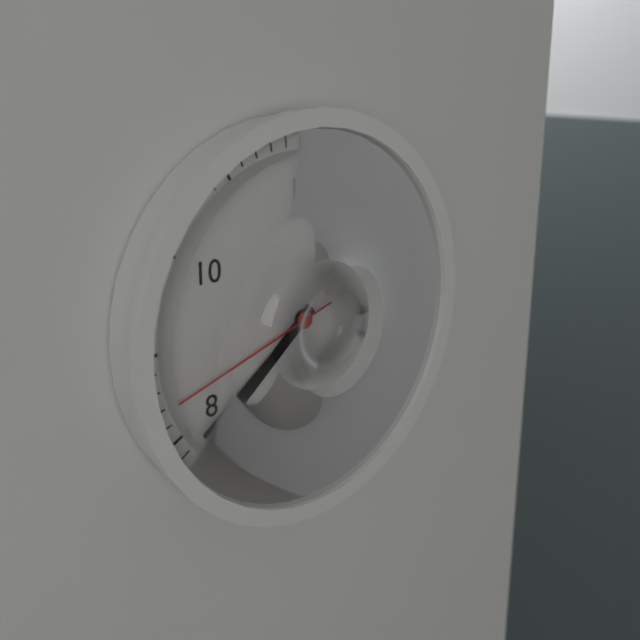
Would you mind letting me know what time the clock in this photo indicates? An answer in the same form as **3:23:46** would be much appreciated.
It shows **7:39:42**
